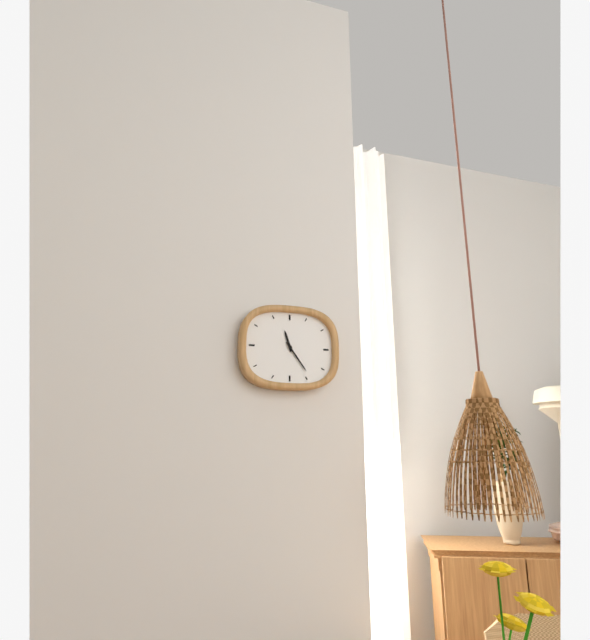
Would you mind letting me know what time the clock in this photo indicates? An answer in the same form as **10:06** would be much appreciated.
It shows **11:24**
